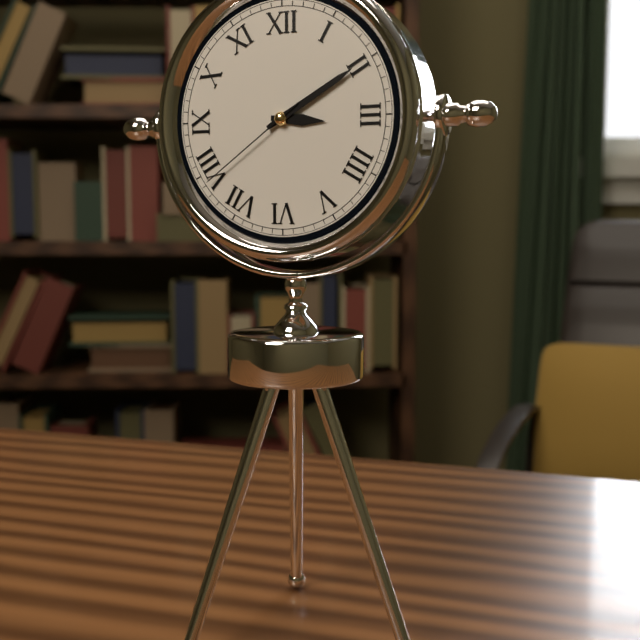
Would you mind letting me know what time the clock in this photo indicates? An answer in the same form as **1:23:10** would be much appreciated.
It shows **3:10:39**
